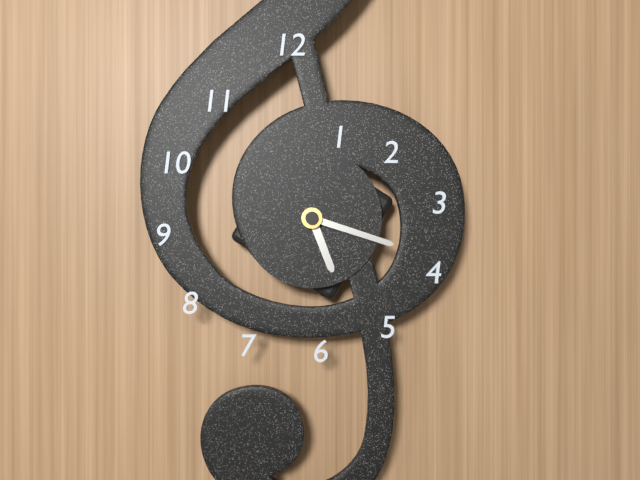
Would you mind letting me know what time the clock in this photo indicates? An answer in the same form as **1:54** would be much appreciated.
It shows **5:18**
